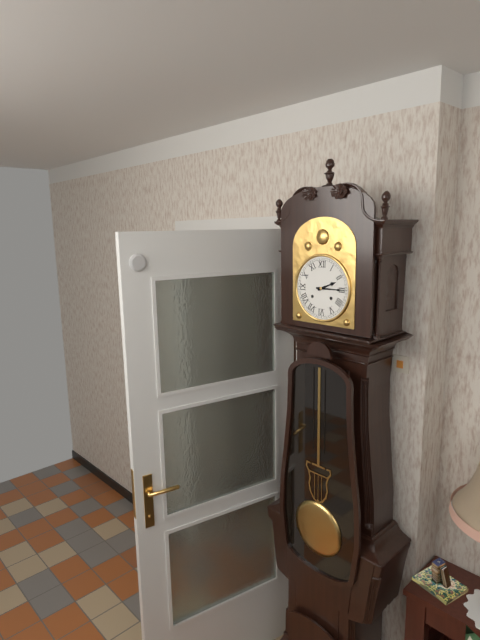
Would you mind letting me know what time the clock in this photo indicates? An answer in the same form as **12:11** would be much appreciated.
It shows **2:15**
